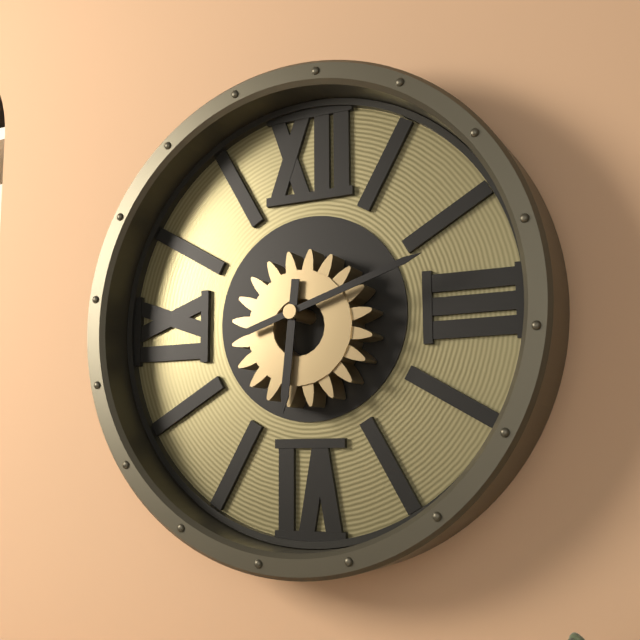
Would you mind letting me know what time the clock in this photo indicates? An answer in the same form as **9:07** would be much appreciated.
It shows **6:12**
